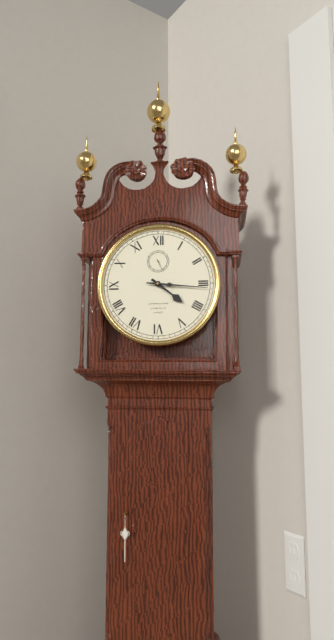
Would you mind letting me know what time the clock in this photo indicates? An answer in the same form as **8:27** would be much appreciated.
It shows **4:16**
